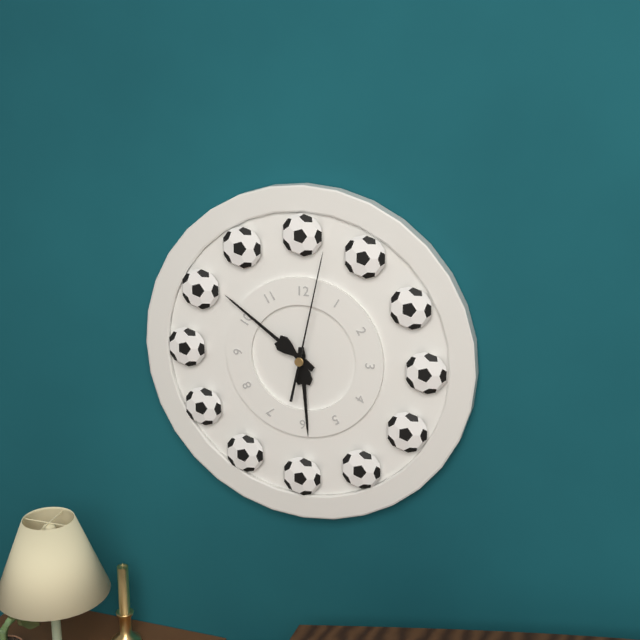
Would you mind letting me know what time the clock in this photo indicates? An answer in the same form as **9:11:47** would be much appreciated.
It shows **5:51:02**
